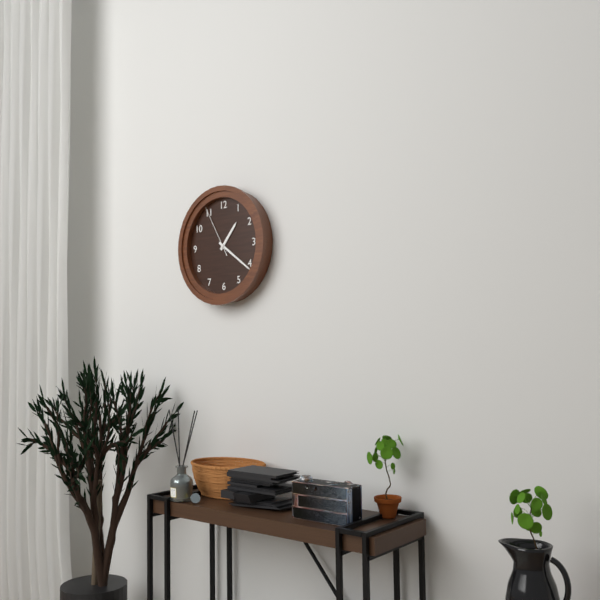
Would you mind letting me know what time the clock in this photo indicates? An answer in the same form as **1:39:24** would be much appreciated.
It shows **1:21:55**
